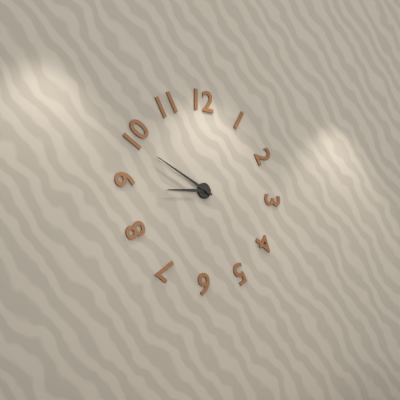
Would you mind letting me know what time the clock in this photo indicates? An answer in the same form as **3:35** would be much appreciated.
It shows **8:49**
